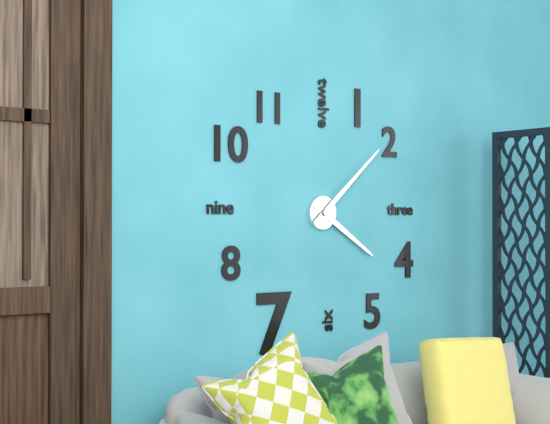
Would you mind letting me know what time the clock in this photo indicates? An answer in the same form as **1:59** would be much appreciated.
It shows **4:08**
